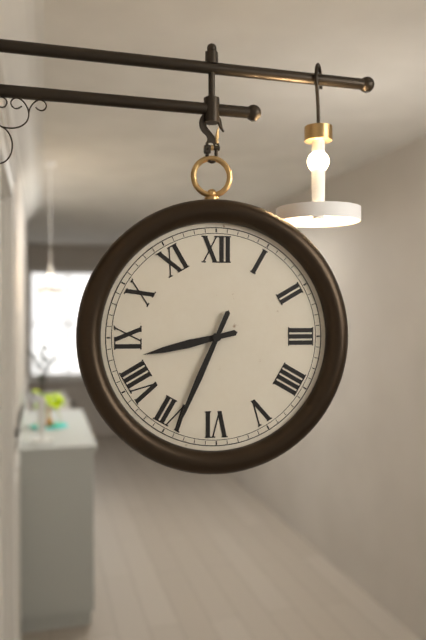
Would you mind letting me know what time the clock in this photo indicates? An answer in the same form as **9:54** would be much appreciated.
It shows **8:34**
